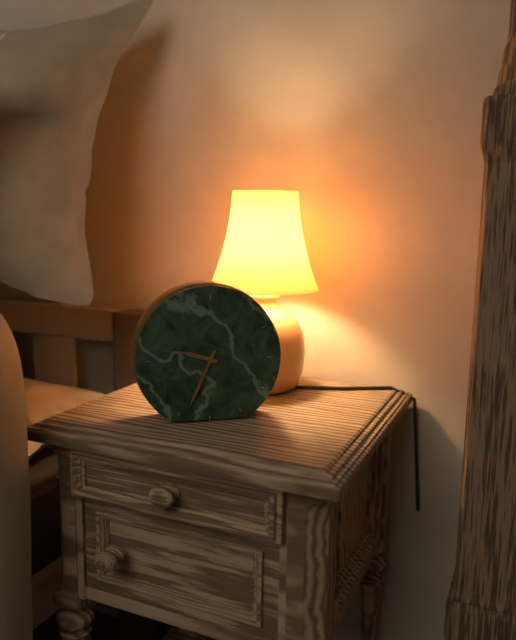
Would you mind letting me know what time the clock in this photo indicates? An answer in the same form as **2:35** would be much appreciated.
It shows **9:34**
